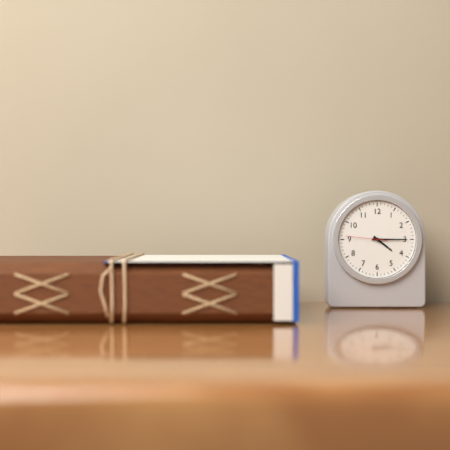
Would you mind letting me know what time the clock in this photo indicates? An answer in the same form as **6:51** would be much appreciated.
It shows **4:15**
